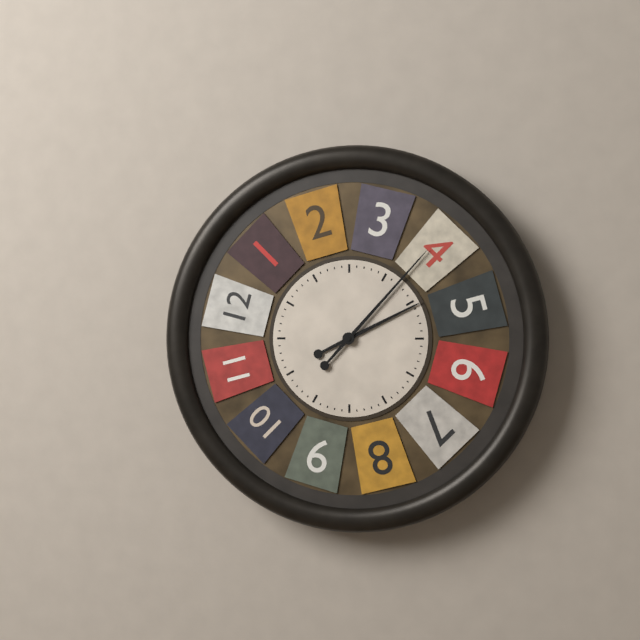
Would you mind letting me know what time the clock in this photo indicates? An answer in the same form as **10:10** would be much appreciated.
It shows **2:07**
